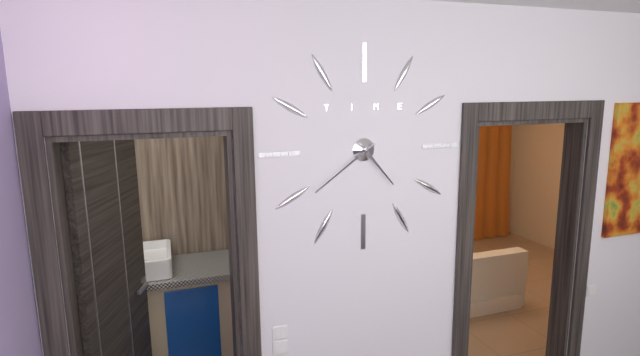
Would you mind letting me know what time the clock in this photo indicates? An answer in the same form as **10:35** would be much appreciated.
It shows **4:39**
